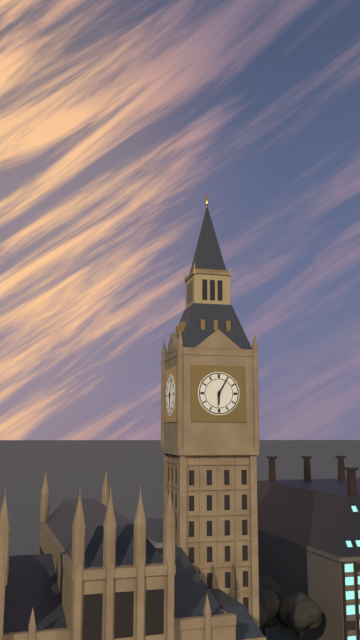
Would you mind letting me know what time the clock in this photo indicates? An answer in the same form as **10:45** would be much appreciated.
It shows **6:05**
